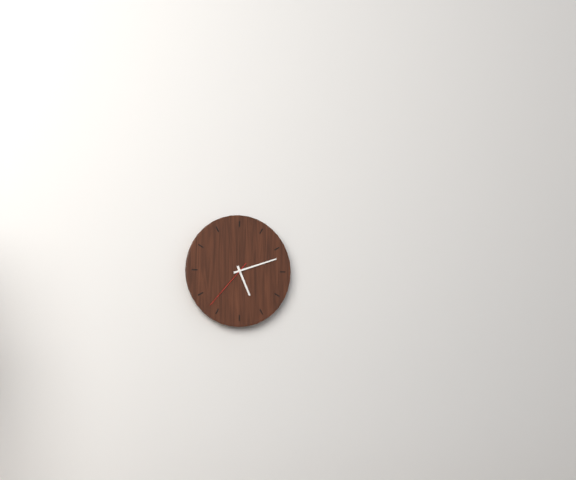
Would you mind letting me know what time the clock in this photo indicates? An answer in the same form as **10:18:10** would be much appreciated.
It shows **5:12:37**
